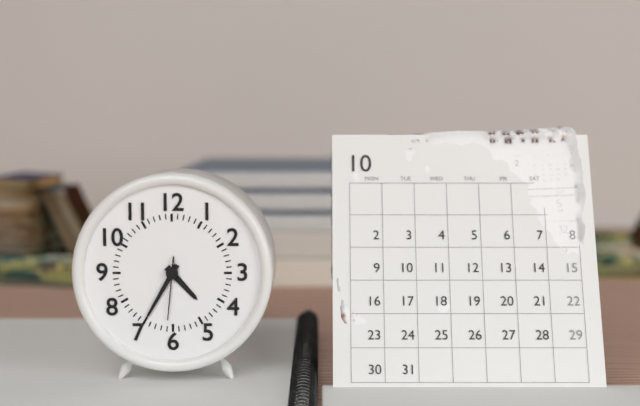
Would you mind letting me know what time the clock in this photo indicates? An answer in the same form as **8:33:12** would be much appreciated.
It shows **4:35:31**
